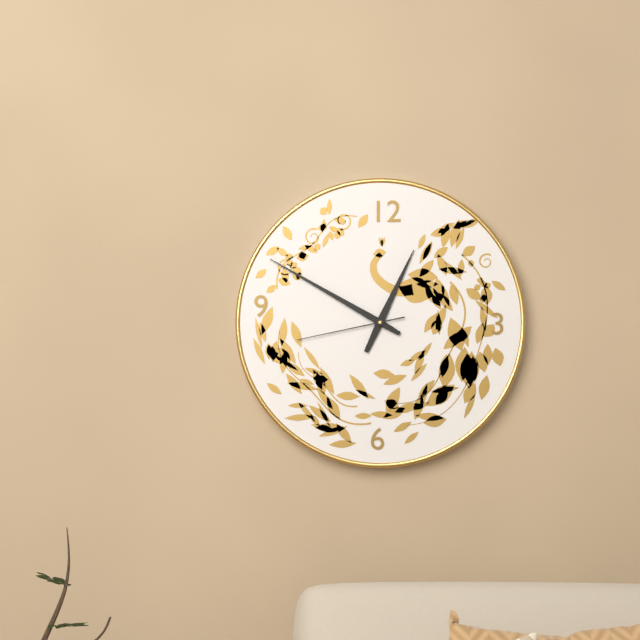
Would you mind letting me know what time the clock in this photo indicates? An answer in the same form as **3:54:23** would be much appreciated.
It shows **12:50:43**
